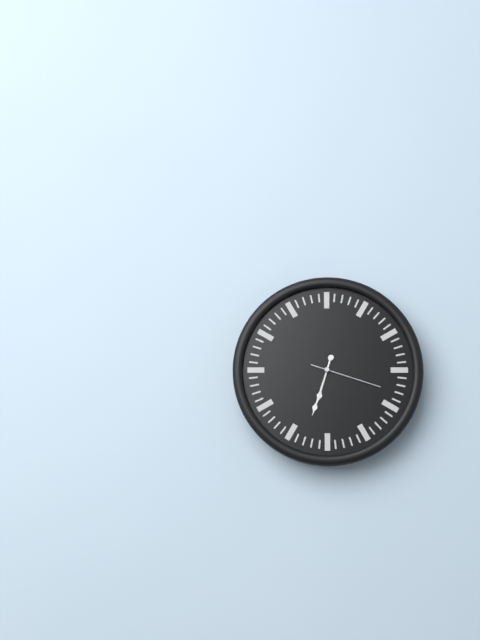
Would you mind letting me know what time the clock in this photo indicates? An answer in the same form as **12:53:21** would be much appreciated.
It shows **6:33:18**
